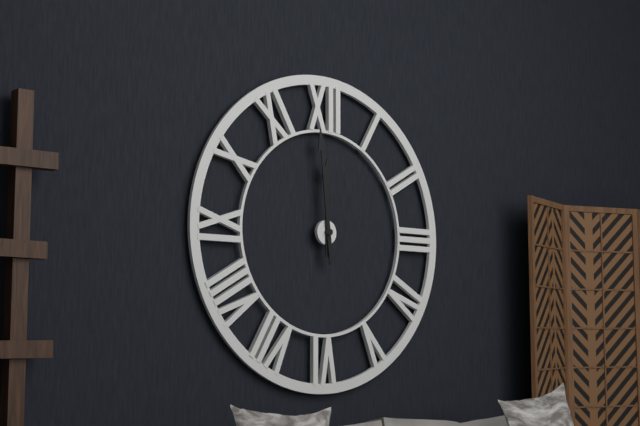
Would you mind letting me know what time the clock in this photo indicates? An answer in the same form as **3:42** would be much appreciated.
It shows **11:59**
